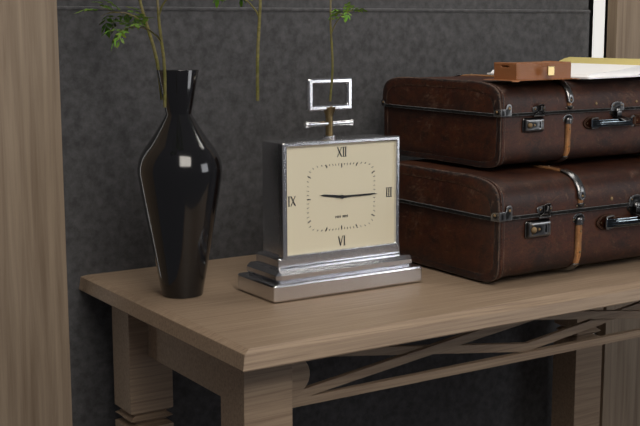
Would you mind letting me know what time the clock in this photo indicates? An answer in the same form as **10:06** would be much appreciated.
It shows **9:15**
